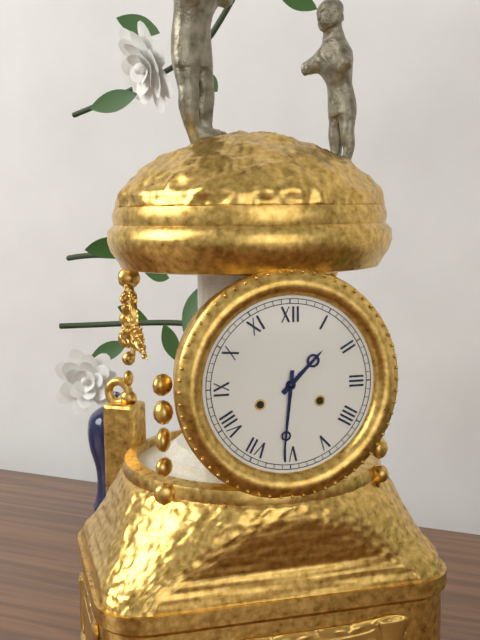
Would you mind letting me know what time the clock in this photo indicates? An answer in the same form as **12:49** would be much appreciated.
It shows **1:31**
